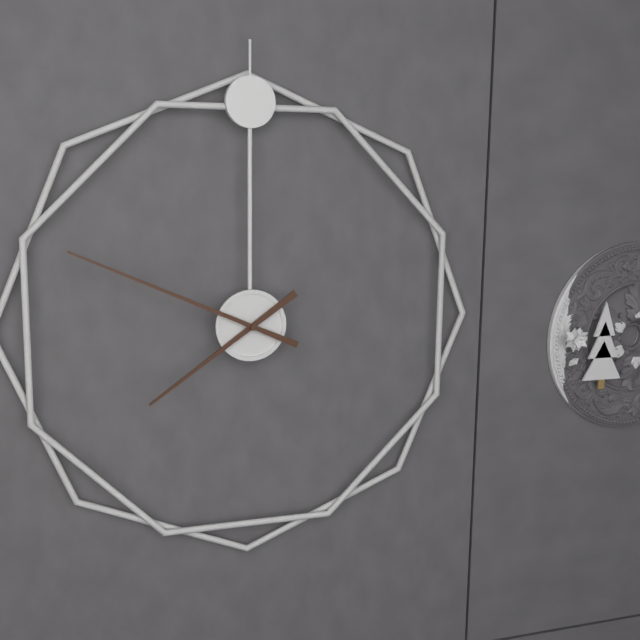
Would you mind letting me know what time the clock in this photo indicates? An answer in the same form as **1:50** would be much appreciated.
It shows **7:49**
